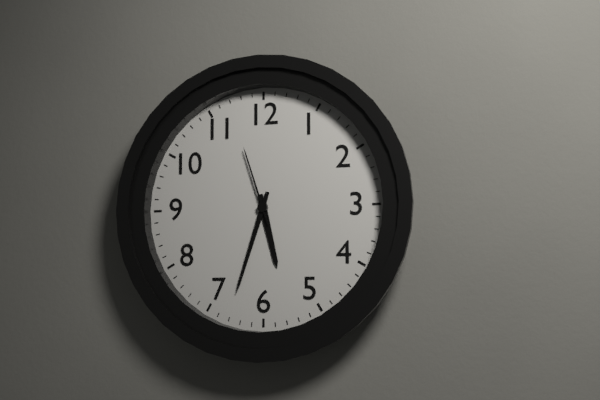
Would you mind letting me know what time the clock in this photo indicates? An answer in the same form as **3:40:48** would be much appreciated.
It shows **5:33:57**
